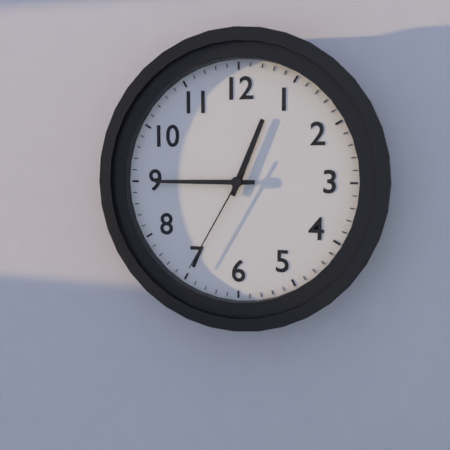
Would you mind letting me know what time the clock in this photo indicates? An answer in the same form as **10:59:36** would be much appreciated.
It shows **12:45:35**
